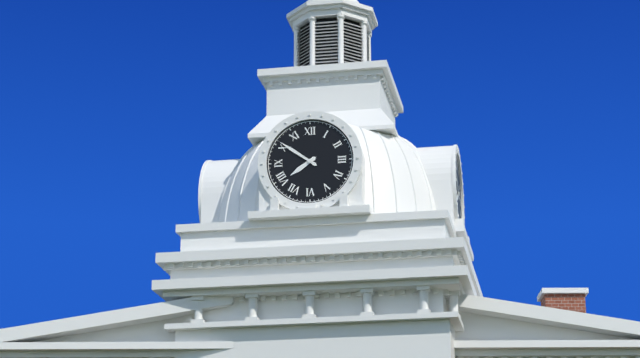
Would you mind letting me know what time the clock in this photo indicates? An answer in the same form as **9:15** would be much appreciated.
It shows **7:51**
